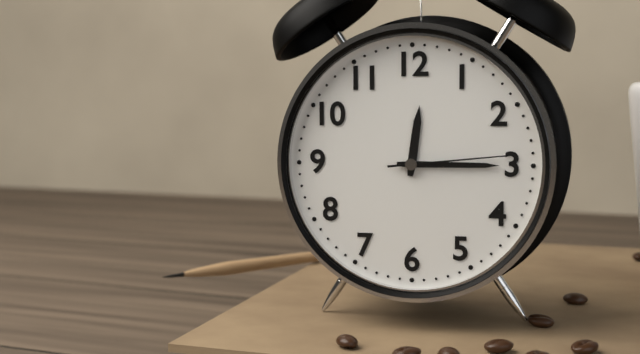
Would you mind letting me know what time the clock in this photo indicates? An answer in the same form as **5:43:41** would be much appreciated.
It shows **12:15:14**
